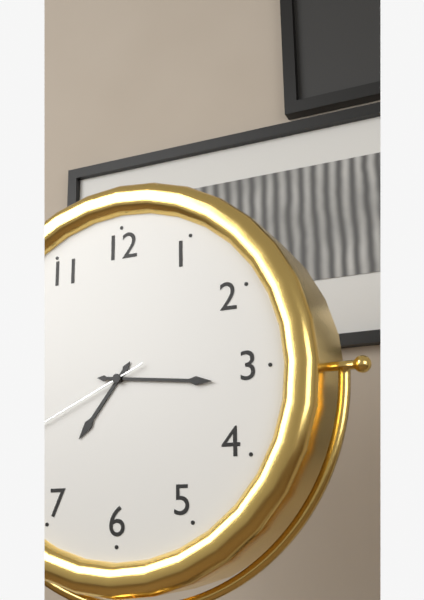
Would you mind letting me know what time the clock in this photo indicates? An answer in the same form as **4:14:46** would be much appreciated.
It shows **7:16:41**
